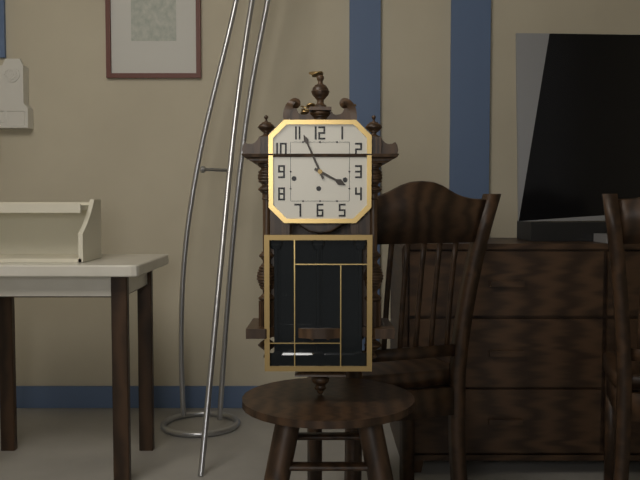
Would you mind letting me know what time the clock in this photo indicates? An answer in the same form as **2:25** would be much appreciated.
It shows **3:56**
